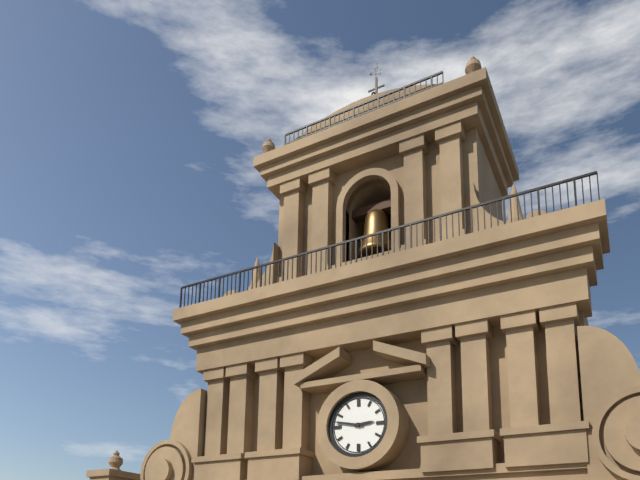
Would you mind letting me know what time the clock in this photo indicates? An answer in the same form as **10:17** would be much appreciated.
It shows **2:47**
